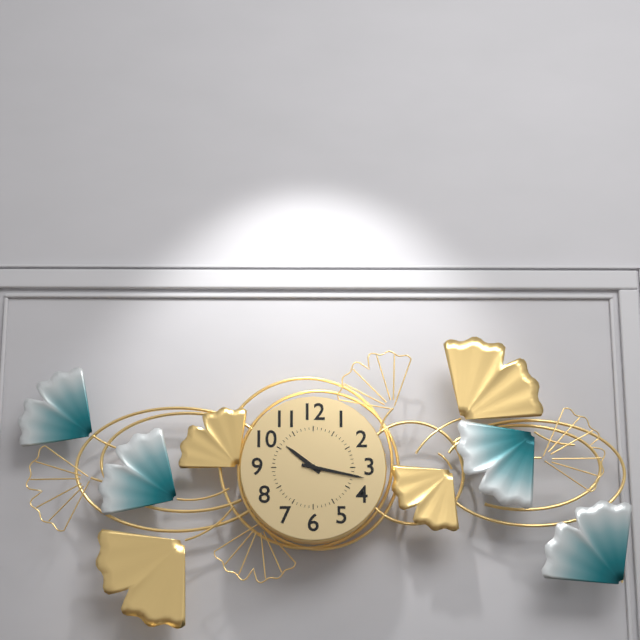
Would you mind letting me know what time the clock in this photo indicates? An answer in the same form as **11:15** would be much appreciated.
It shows **10:17**
